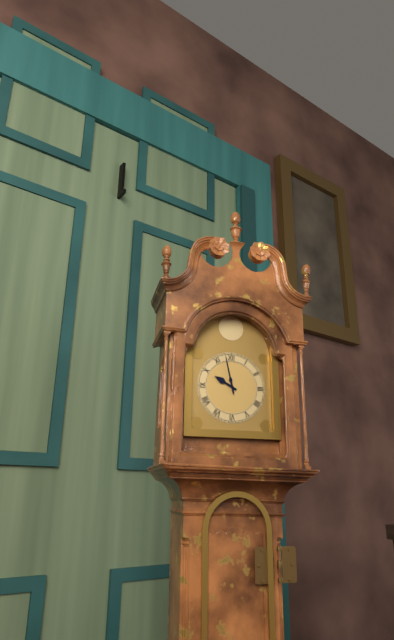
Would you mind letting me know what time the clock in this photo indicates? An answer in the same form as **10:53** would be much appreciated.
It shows **9:58**
